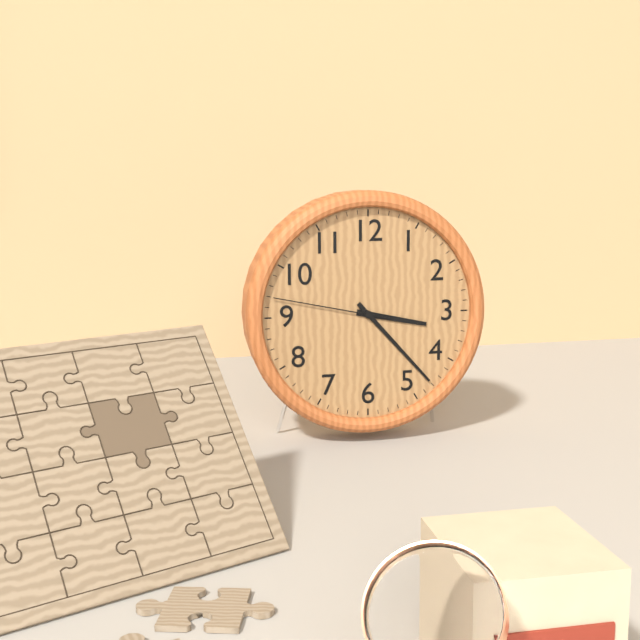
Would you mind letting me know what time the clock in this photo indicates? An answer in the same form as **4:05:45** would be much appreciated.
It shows **3:23:47**
